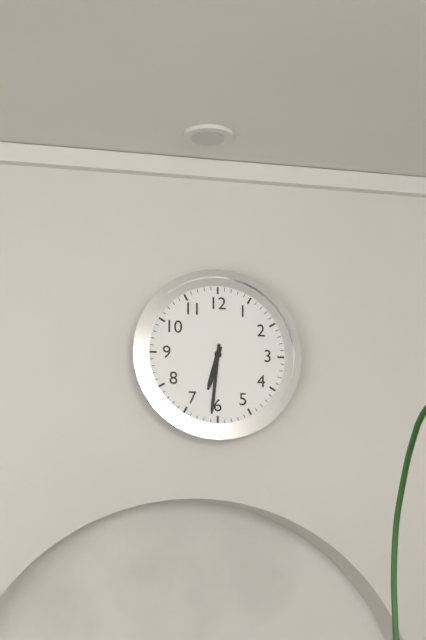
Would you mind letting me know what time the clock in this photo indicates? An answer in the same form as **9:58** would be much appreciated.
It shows **6:31**
